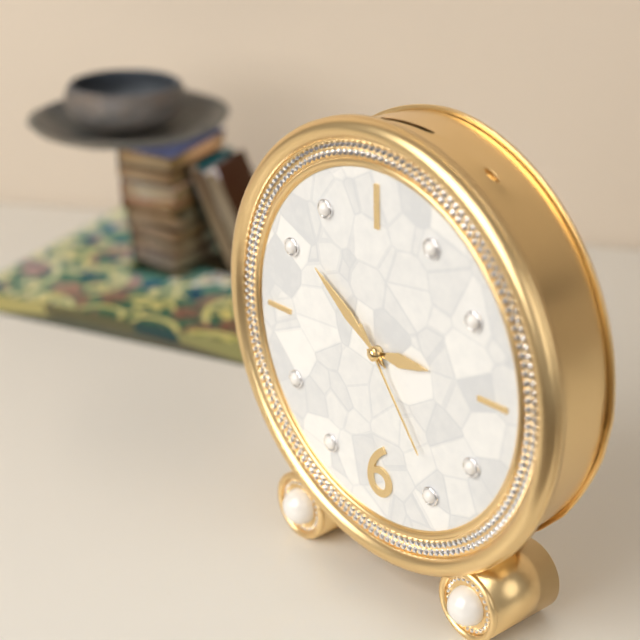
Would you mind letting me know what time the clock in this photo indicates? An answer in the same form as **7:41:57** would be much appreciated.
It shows **2:51:24**
